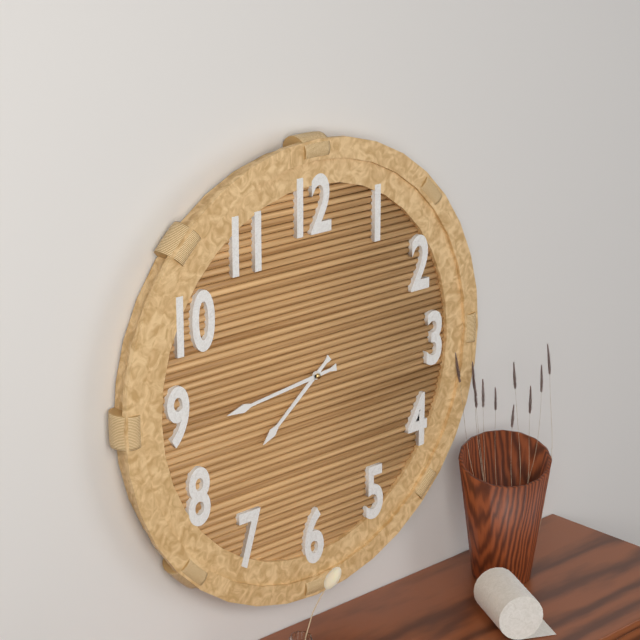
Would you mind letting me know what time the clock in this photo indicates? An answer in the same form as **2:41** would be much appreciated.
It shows **7:44**
